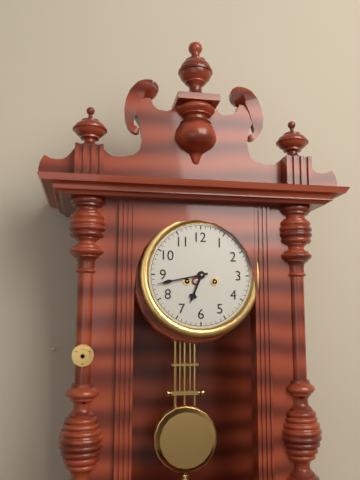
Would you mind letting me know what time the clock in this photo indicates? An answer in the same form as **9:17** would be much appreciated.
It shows **6:43**
